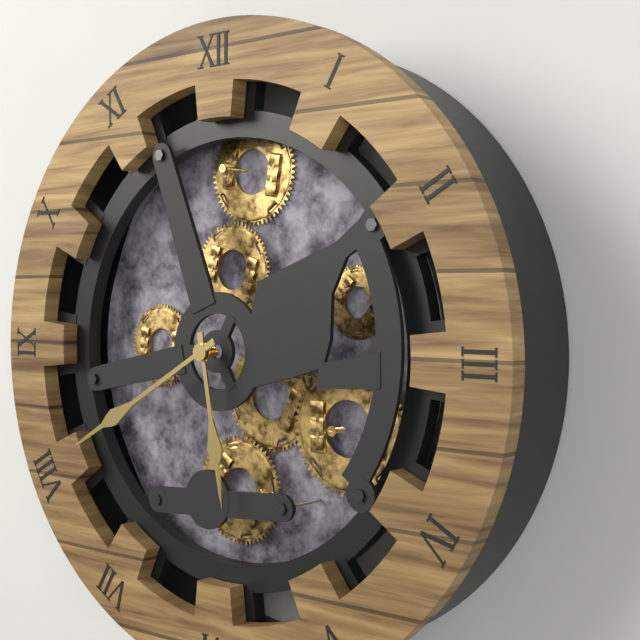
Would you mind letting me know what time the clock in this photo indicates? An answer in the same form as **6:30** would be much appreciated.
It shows **5:40**
